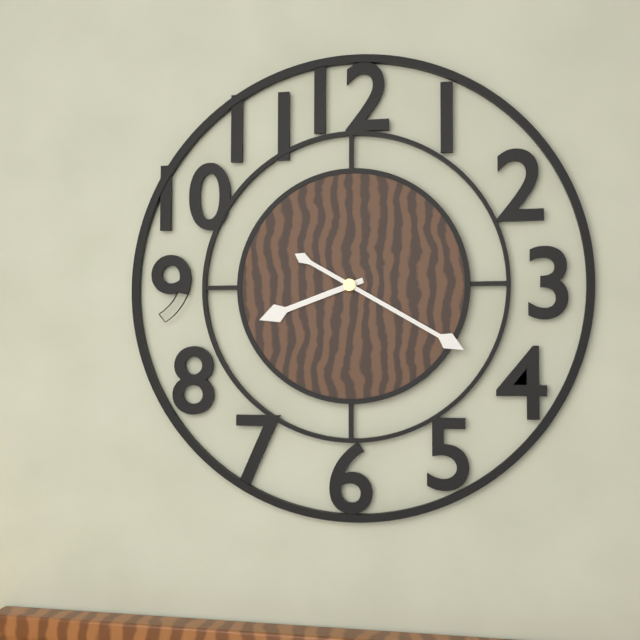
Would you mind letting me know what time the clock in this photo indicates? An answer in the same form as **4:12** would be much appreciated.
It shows **8:20**
